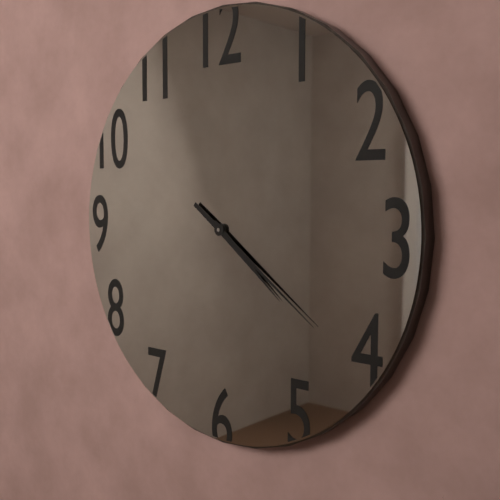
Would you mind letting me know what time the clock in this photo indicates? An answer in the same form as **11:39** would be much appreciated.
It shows **4:21**
